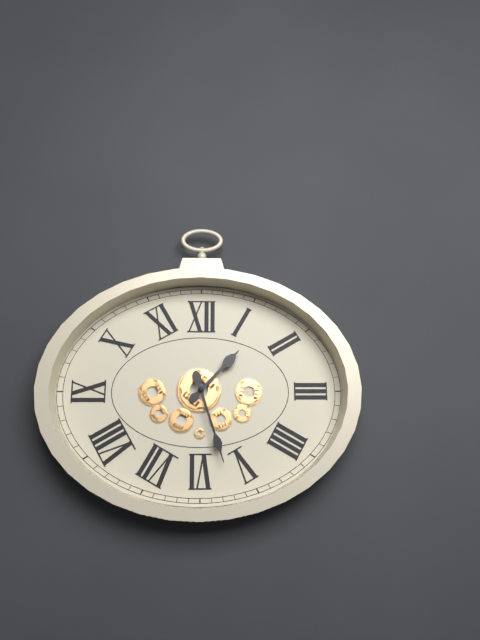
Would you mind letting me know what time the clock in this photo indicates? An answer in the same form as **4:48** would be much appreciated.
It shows **1:27**
